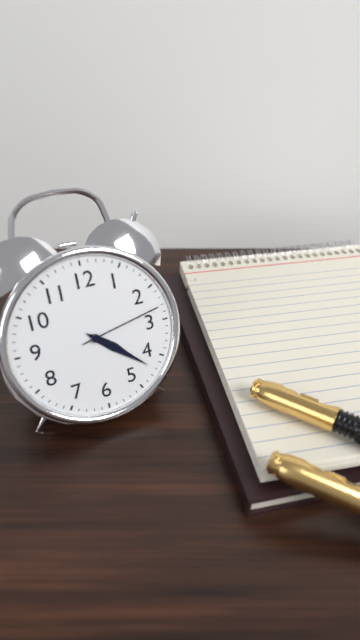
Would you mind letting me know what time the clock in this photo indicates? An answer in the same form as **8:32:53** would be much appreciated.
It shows **4:22:13**
